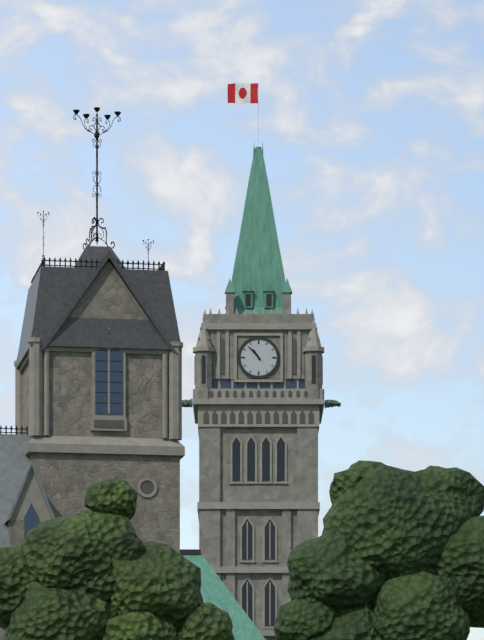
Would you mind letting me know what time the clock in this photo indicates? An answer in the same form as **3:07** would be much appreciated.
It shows **10:53**
